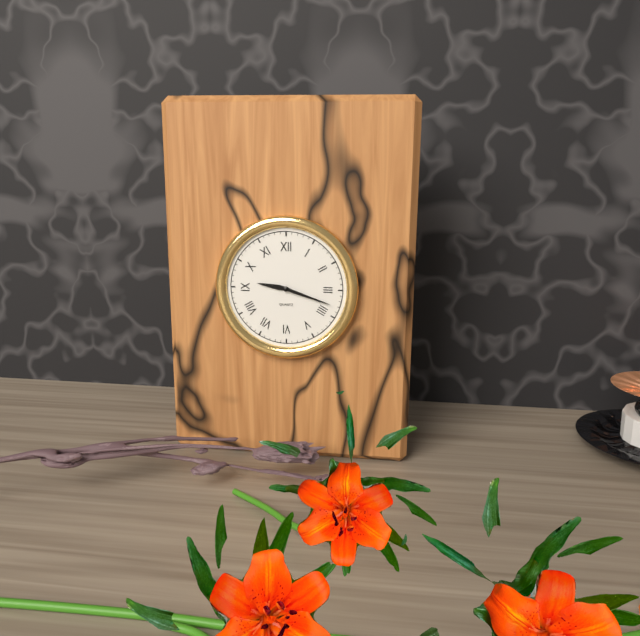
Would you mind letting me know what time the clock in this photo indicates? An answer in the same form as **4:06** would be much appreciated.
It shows **9:18**
